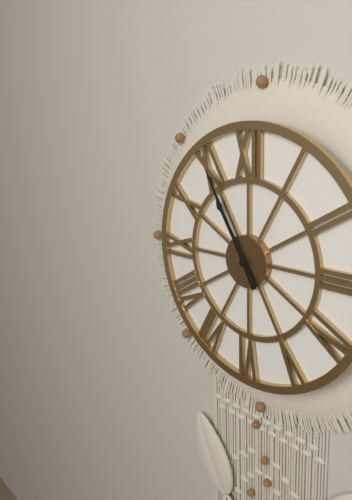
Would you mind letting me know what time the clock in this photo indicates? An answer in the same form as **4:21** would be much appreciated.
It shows **10:55**
